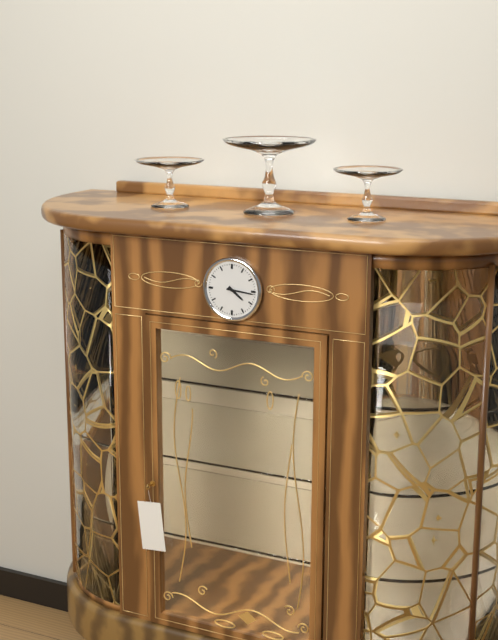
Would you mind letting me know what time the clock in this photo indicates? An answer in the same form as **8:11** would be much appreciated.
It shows **4:16**
